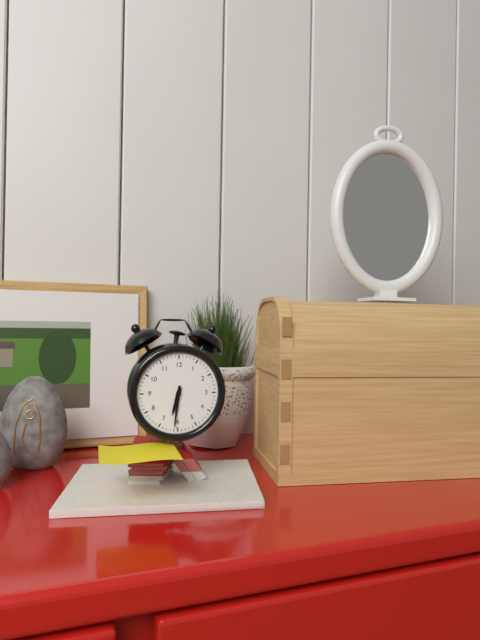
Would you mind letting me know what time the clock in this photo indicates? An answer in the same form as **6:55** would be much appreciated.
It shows **6:31**
